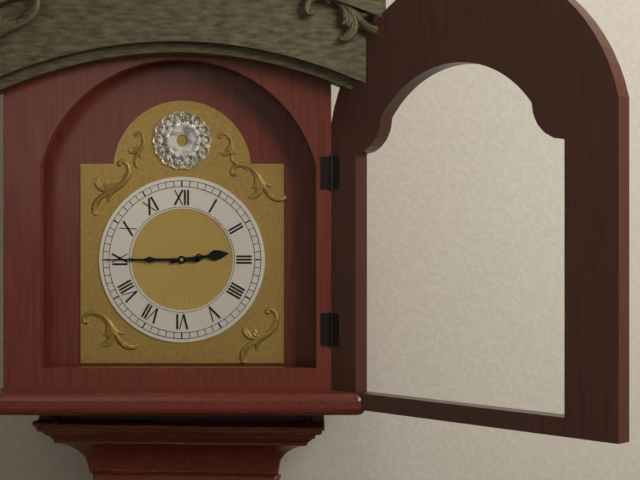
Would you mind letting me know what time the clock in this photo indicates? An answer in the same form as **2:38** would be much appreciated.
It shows **2:45**
